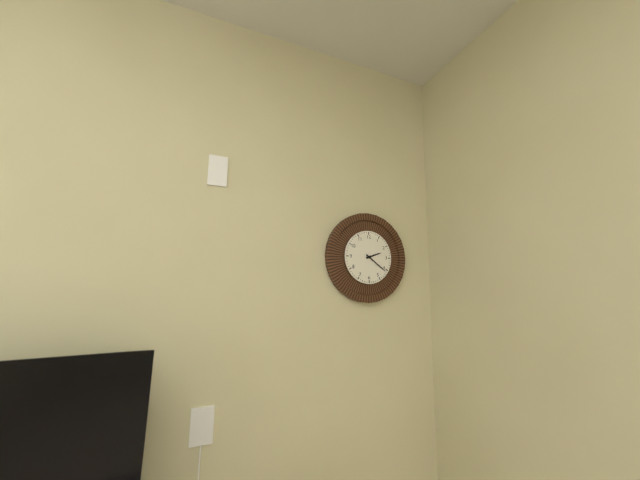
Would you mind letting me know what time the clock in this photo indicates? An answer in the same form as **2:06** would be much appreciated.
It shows **2:21**
